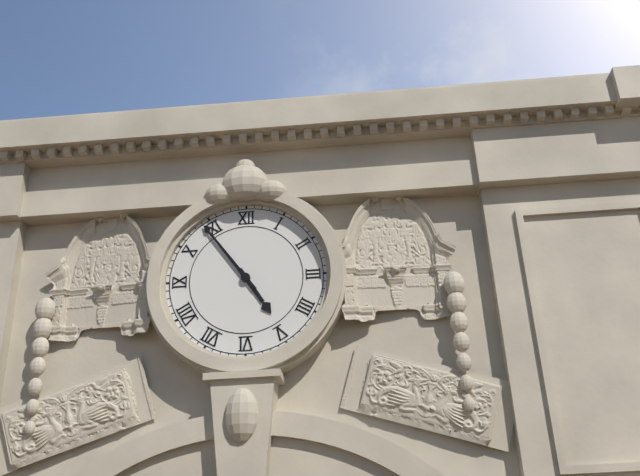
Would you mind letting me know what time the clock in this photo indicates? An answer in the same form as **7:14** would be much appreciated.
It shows **4:54**
